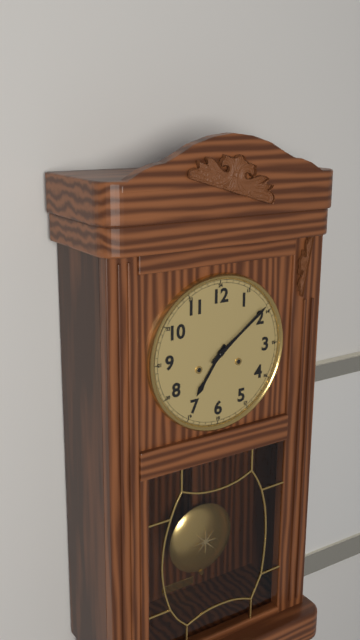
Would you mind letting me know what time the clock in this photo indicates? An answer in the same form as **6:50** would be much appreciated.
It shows **7:09**
